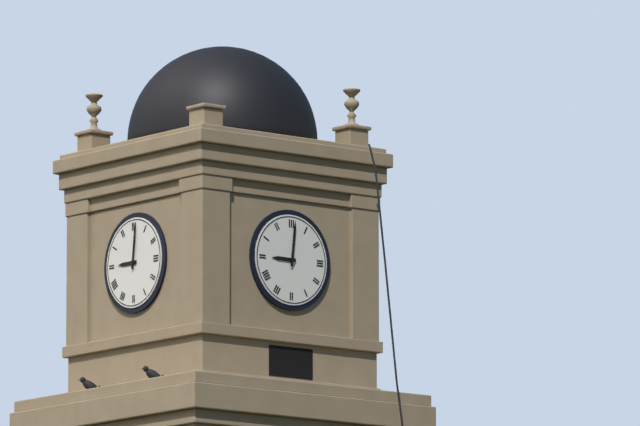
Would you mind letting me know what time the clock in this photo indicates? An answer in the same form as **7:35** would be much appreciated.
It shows **9:01**
